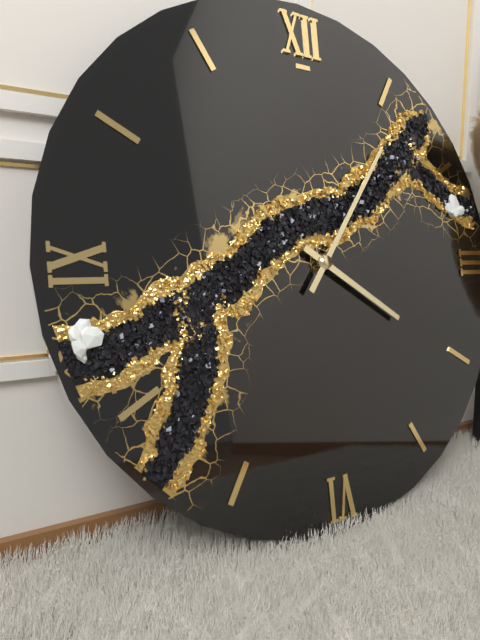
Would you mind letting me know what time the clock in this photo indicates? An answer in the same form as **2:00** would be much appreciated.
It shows **4:06**
